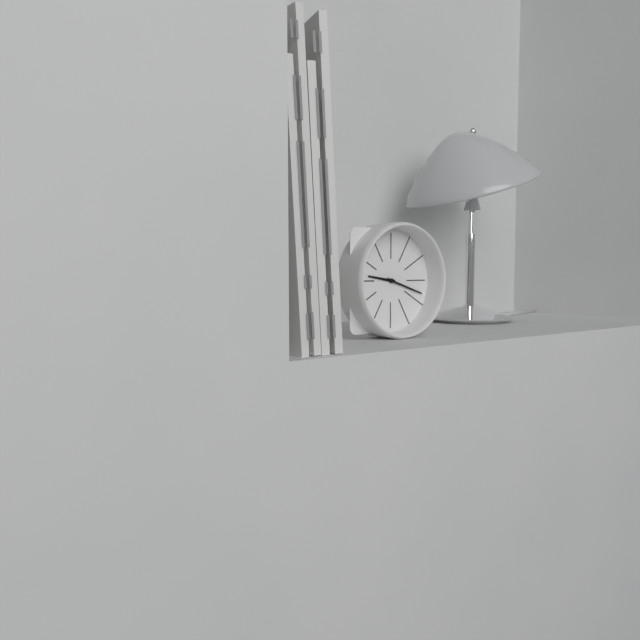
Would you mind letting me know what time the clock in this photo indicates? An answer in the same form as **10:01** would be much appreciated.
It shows **9:18**
